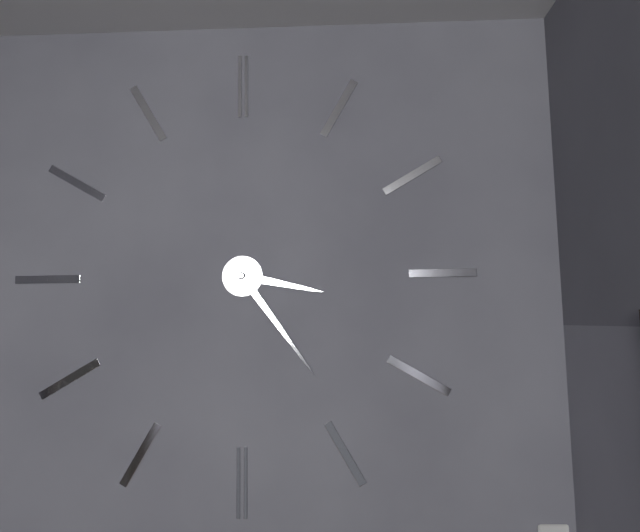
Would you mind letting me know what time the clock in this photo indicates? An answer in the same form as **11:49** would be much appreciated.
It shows **3:24**
